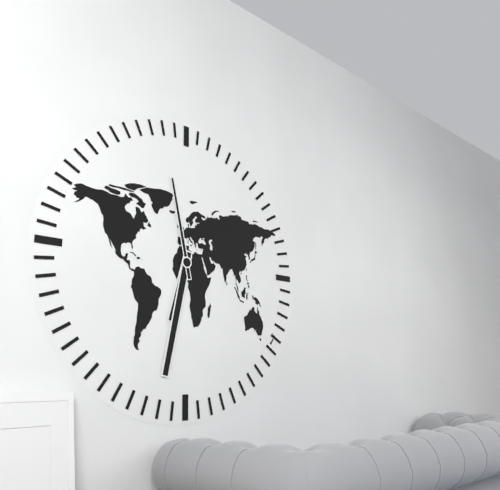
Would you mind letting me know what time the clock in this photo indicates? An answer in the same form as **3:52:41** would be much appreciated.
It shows **6:32:58**
